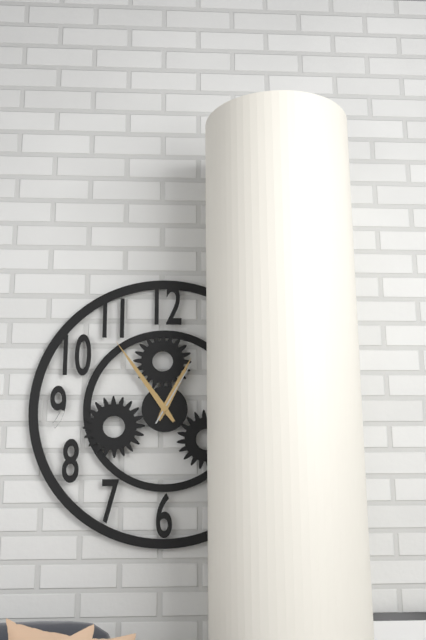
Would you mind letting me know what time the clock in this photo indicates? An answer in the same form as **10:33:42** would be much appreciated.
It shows **12:54:05**
